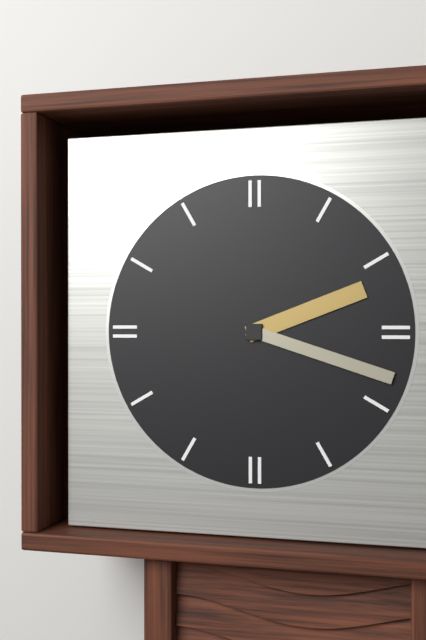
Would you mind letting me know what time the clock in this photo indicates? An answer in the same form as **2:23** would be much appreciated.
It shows **2:18**
